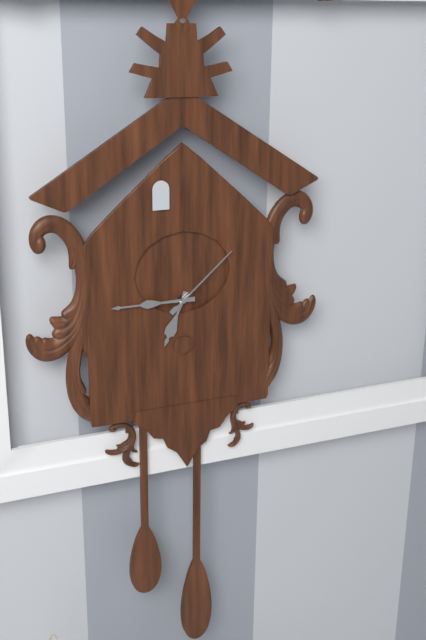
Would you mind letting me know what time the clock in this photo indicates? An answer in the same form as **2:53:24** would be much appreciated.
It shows **6:45:08**
